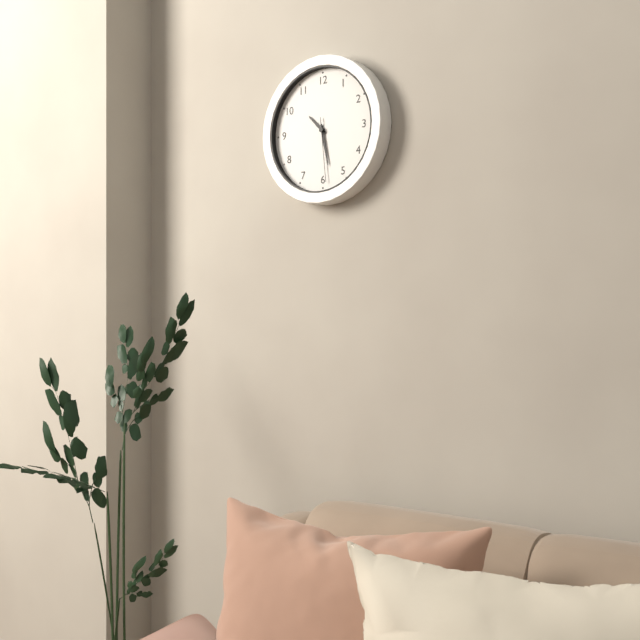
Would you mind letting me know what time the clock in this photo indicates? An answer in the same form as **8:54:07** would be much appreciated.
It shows **10:28:29**
